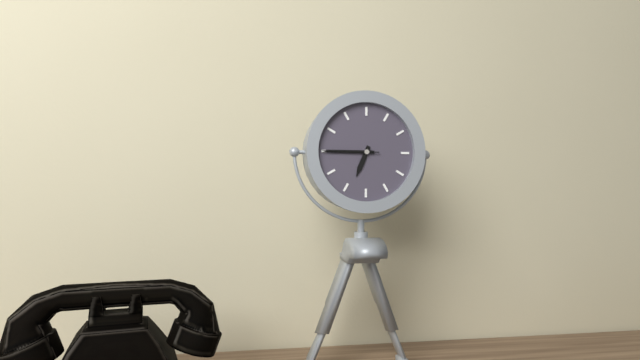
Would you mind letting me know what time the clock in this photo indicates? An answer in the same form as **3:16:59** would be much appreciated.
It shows **6:45:45**
